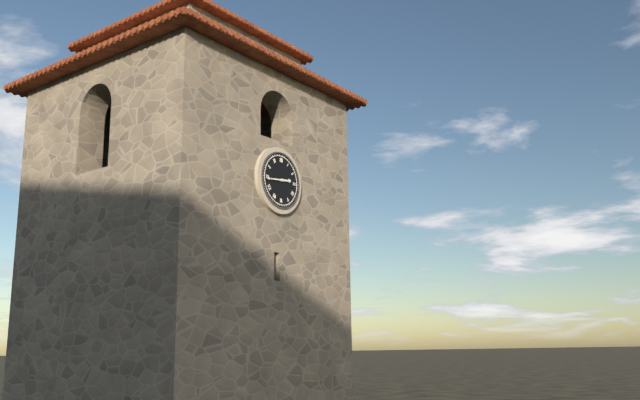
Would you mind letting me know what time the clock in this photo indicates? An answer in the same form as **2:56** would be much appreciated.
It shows **2:44**
